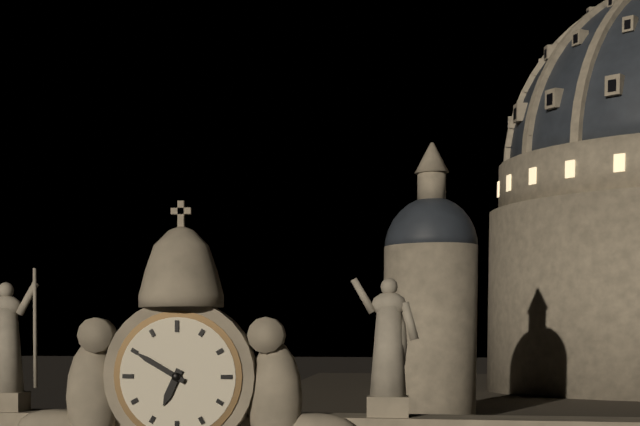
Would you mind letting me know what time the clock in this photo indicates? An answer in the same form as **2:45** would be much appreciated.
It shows **6:50**
